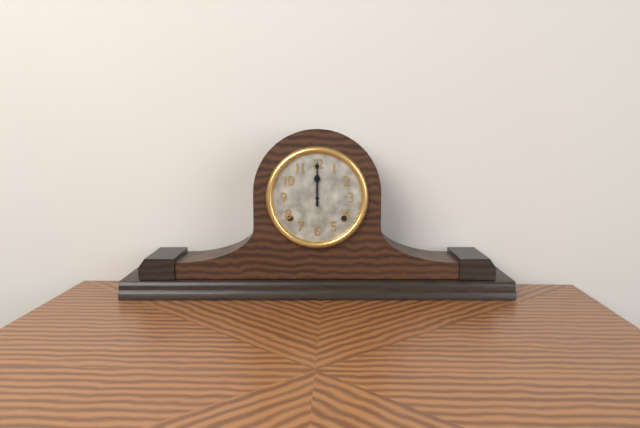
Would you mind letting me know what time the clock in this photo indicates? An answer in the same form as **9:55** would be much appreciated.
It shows **12:00**
